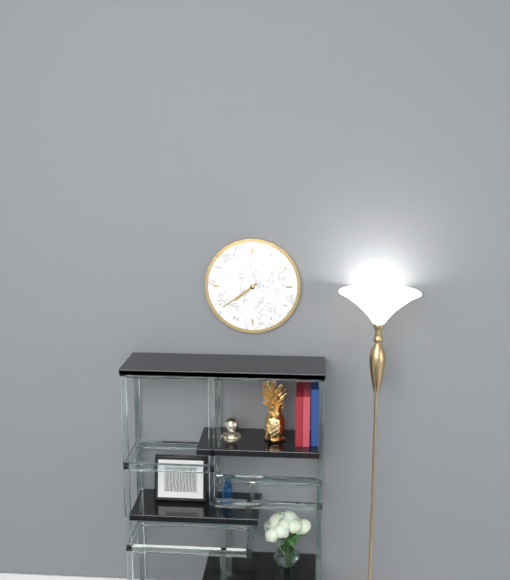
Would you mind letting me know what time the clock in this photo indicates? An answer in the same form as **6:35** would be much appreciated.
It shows **7:39**
